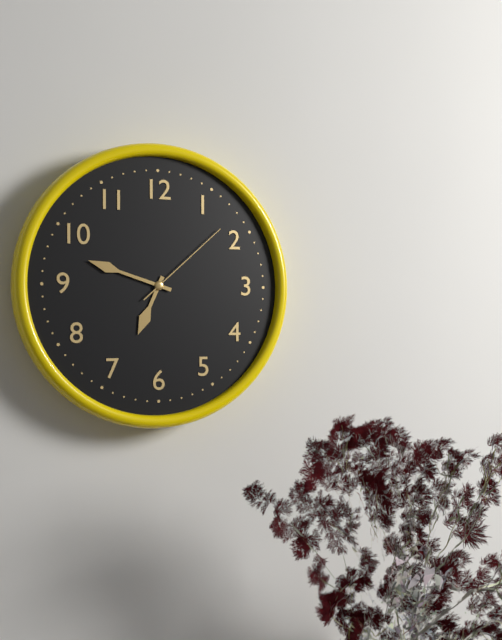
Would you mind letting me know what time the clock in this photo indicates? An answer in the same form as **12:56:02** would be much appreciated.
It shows **6:48:08**
